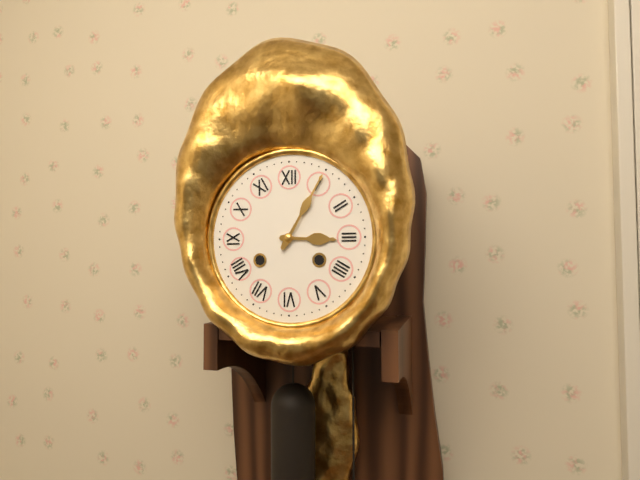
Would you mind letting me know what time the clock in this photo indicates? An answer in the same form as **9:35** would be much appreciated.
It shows **3:05**
